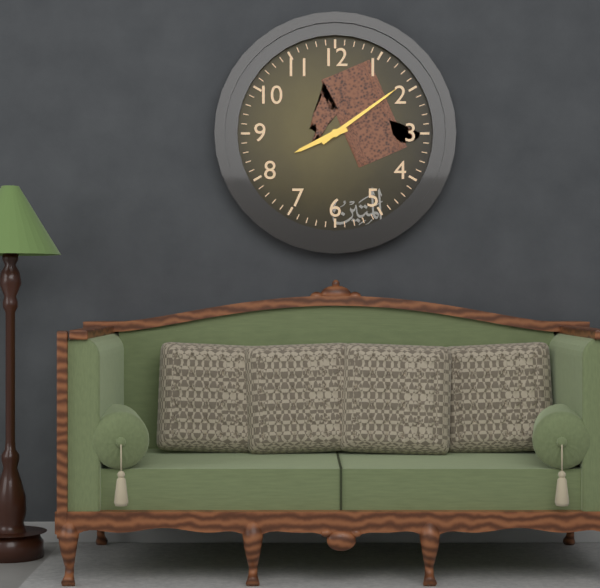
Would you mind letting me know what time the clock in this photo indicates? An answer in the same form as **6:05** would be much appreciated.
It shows **8:09**
